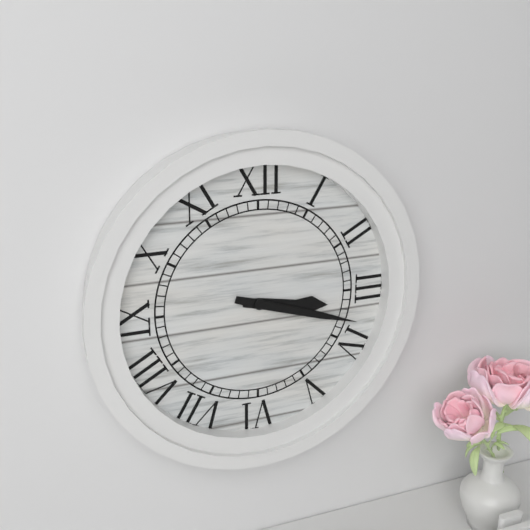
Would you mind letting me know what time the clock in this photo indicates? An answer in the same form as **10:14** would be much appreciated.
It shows **3:18**
